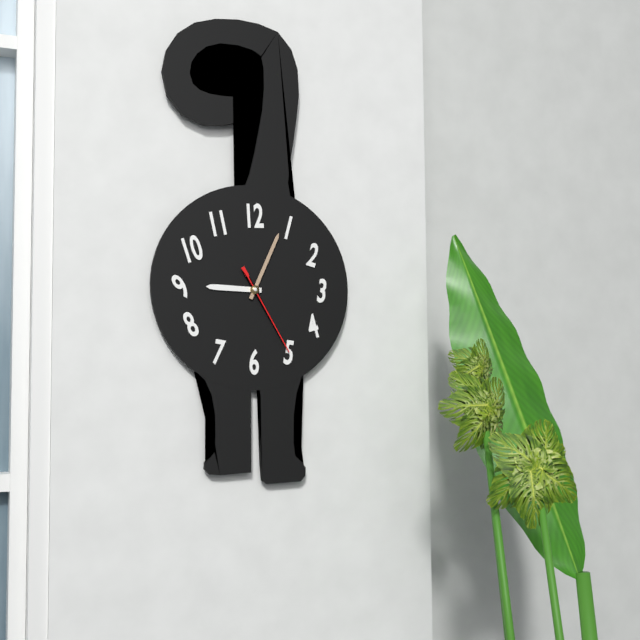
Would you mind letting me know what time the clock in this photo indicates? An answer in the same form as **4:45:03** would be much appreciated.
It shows **9:04:25**
